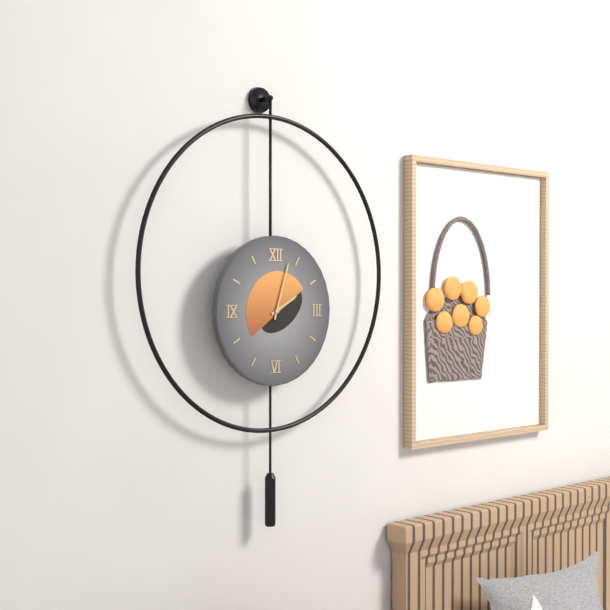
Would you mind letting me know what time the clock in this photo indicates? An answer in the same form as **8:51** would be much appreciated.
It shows **2:03**
